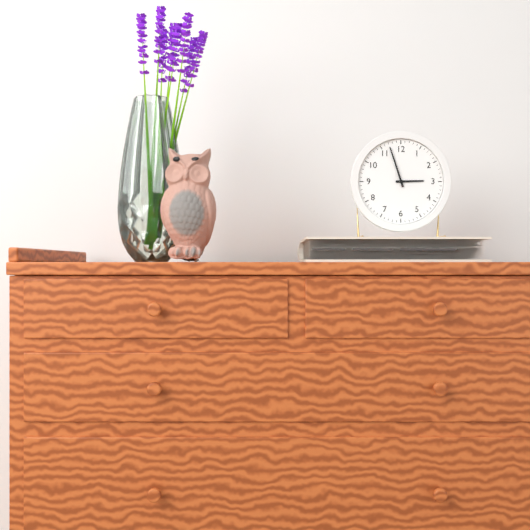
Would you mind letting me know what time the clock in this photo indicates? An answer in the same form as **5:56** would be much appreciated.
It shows **2:57**
